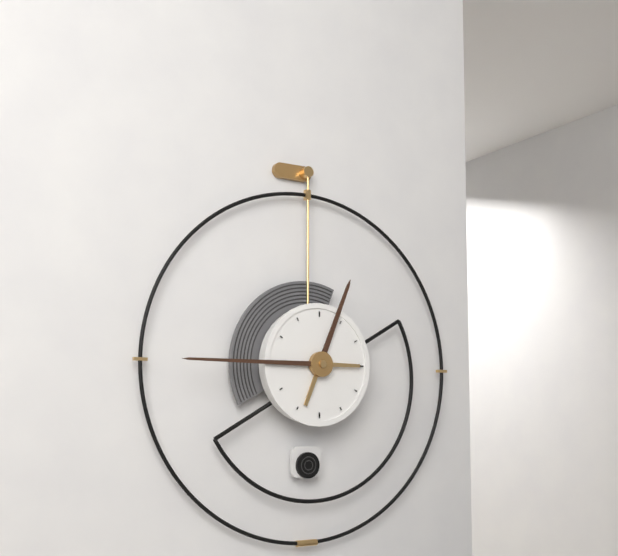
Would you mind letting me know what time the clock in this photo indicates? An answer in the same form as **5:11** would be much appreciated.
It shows **12:45**
